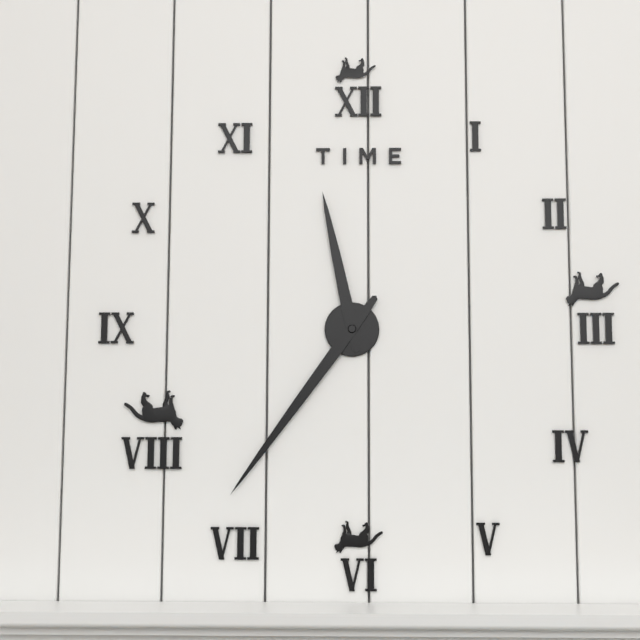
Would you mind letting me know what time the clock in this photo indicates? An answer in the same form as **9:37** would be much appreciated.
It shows **11:36**
